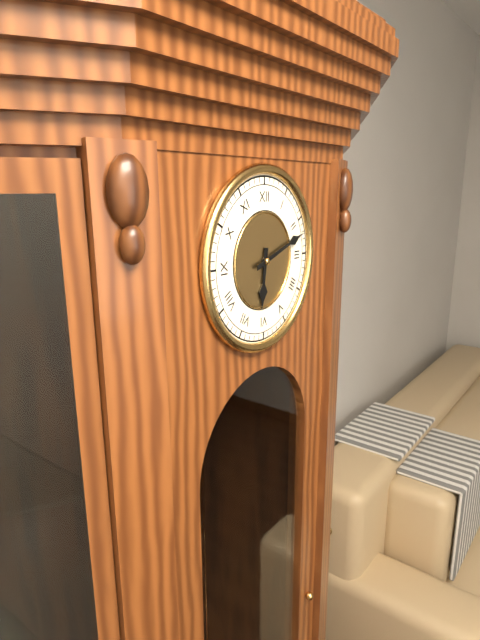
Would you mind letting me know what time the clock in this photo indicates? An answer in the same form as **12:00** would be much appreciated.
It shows **6:12**
